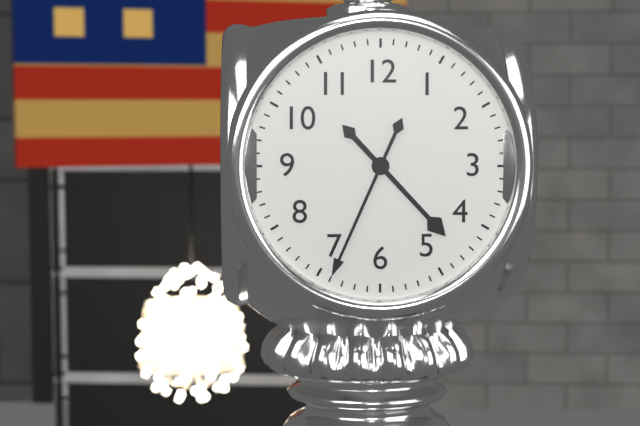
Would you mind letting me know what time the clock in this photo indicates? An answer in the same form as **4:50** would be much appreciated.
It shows **4:34**
